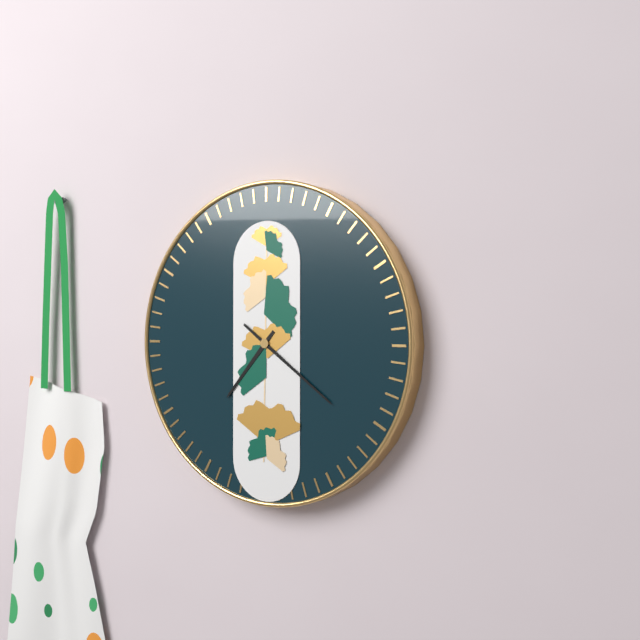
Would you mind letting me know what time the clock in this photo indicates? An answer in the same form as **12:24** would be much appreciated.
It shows **7:21**
